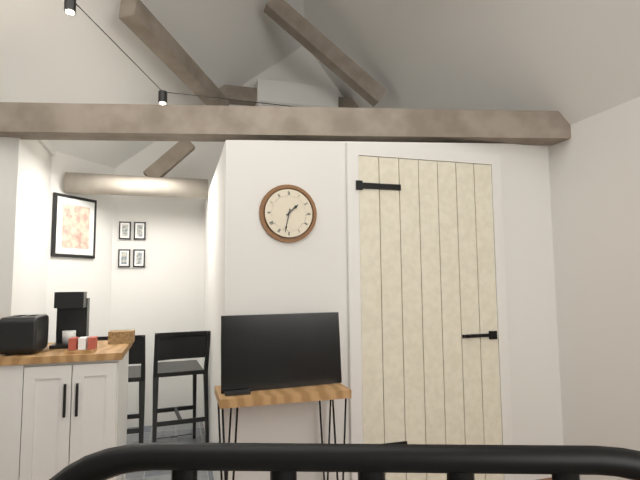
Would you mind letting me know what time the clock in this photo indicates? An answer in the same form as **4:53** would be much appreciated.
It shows **1:32**
